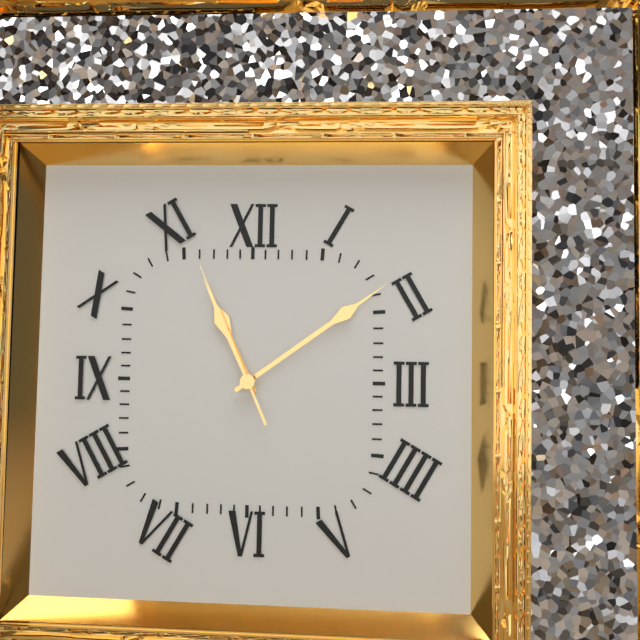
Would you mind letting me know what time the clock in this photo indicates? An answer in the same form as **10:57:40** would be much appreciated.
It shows **11:09:56**
